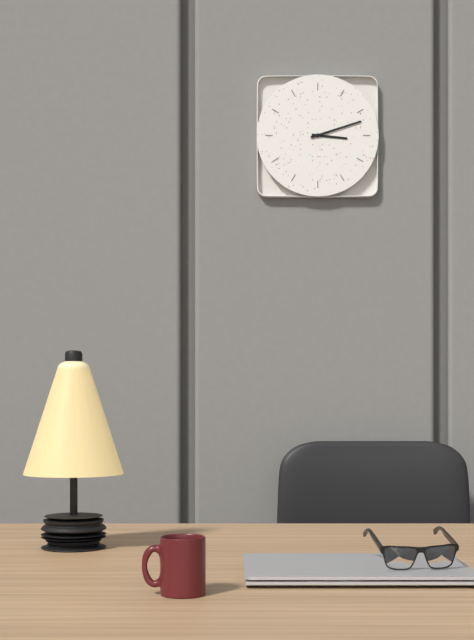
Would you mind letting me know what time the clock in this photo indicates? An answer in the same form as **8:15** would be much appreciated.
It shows **3:12**
